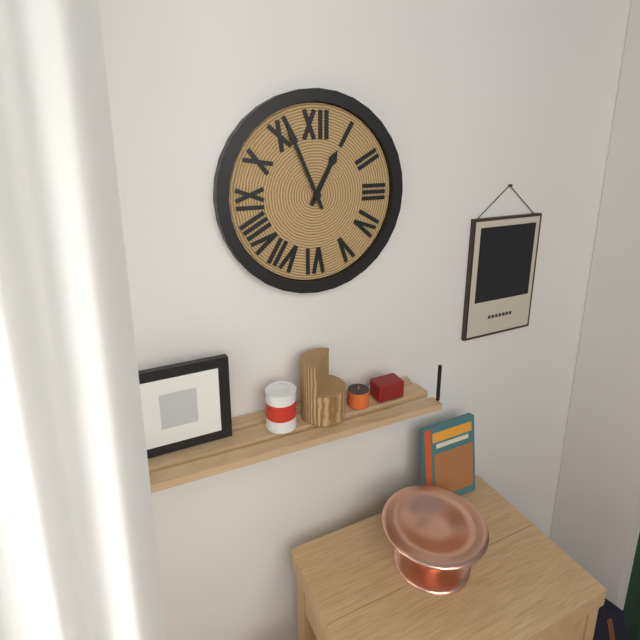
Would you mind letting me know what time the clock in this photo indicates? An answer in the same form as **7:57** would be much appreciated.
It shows **12:56**
